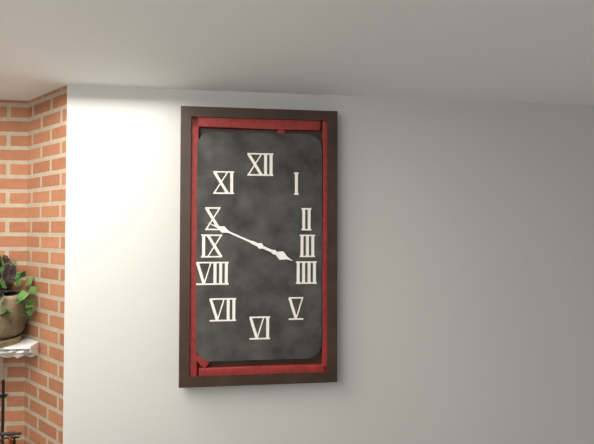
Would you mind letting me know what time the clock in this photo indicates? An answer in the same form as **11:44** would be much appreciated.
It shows **3:49**
